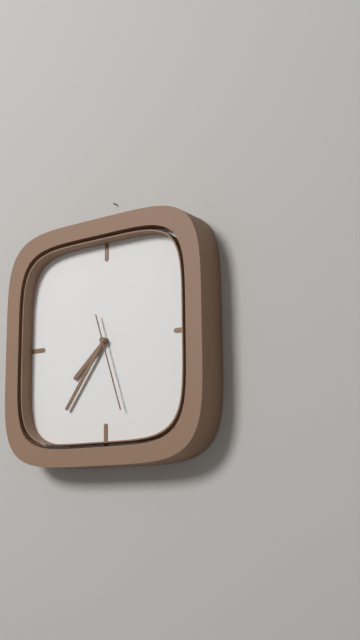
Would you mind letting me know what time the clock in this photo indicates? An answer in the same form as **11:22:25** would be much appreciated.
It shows **7:36:27**
